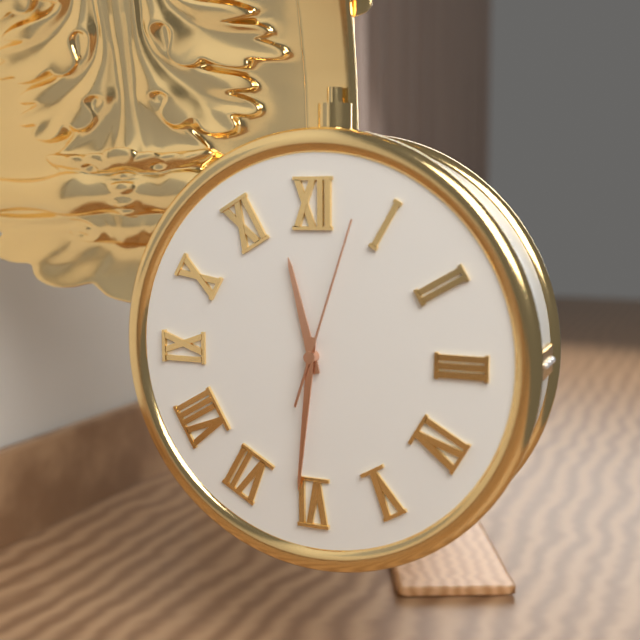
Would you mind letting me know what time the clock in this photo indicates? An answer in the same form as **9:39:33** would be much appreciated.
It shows **11:31:03**
